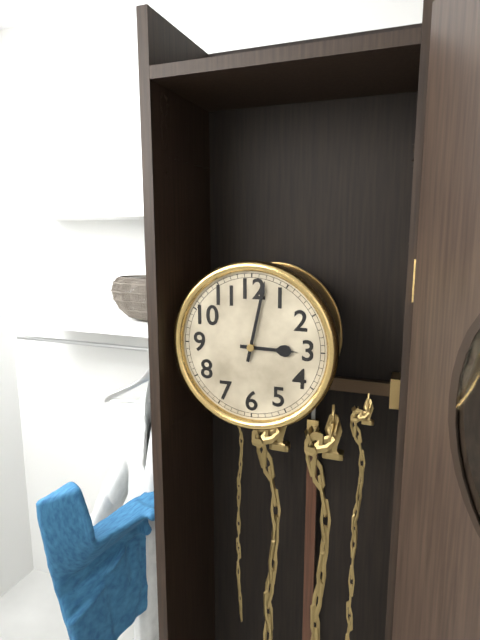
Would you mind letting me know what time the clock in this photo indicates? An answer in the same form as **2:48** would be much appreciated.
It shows **3:02**
